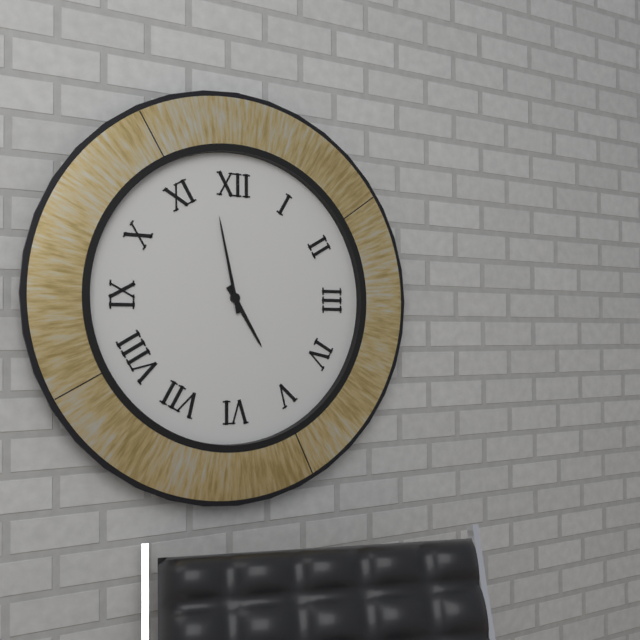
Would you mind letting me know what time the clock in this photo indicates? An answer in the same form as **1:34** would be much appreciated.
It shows **4:58**
